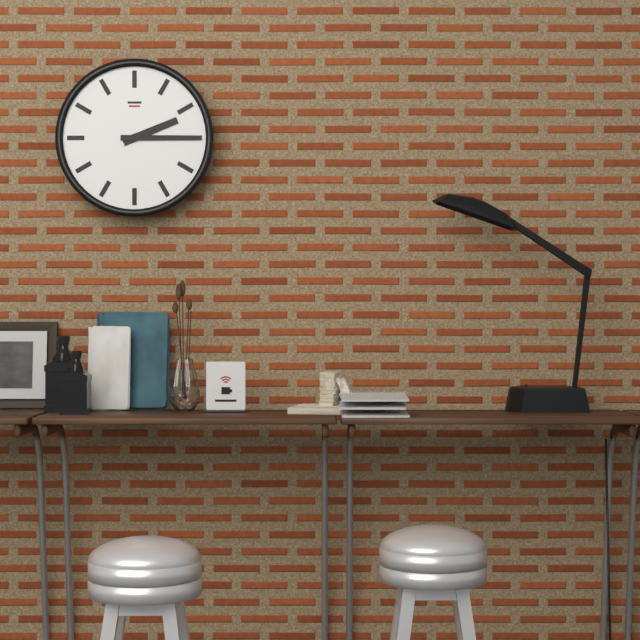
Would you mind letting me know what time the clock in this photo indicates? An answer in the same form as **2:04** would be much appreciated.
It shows **2:15**
